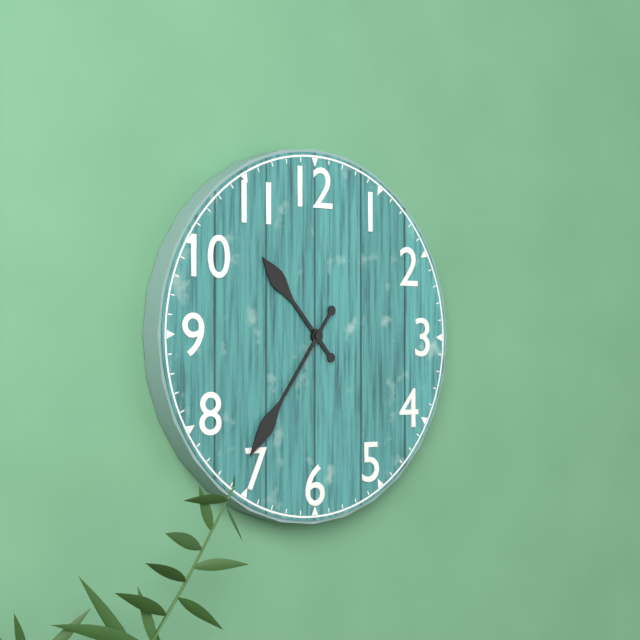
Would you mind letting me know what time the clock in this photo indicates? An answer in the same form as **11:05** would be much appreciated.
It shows **10:36**
